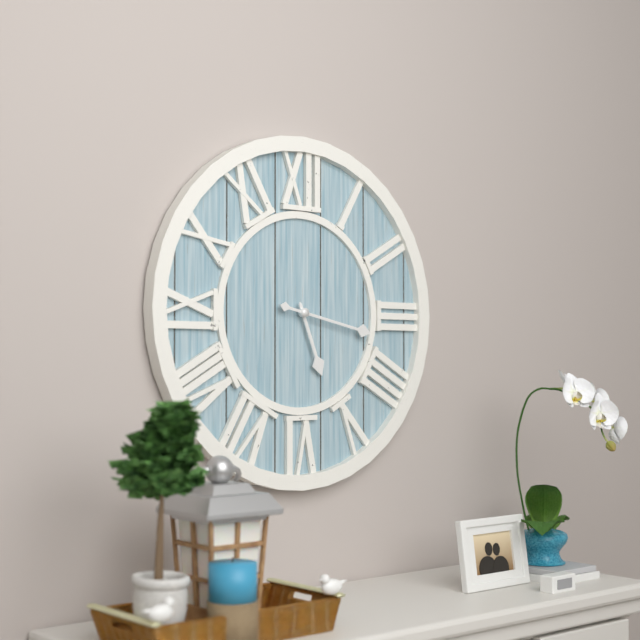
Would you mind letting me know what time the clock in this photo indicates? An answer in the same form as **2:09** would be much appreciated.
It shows **5:17**
